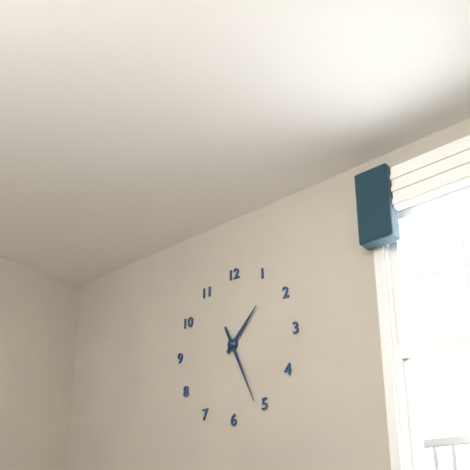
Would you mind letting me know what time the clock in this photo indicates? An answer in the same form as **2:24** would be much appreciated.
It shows **1:26**
